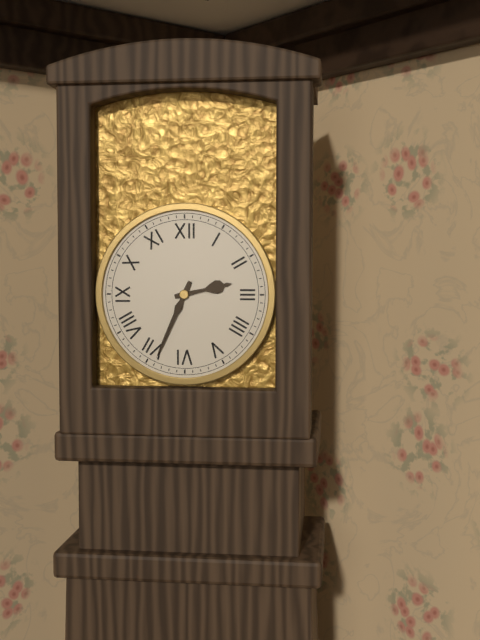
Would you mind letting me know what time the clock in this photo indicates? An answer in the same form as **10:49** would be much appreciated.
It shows **2:34**
